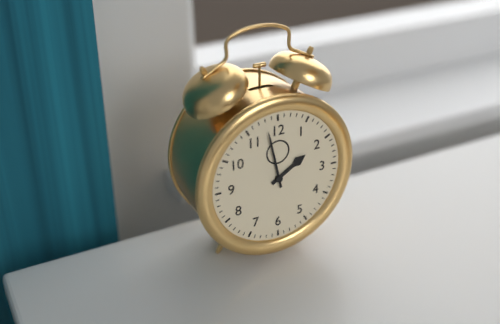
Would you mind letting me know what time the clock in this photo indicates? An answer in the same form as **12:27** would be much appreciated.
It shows **1:58**
